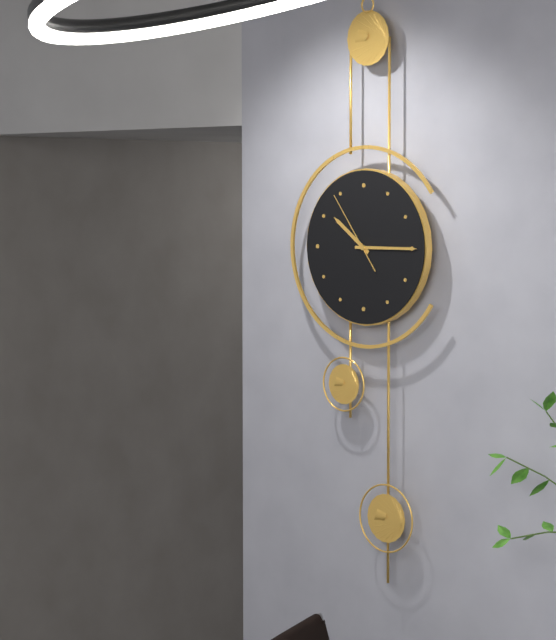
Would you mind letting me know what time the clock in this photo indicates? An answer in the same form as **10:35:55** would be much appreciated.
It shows **10:15:54**
